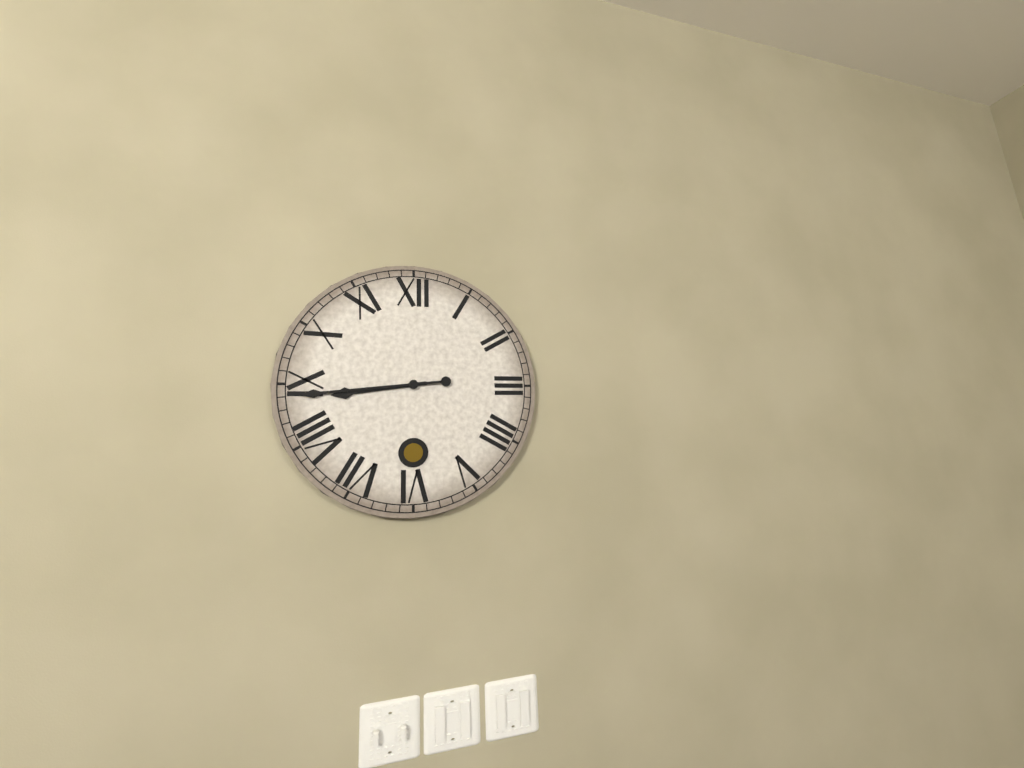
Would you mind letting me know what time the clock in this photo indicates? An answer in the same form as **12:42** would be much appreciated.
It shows **8:44**
